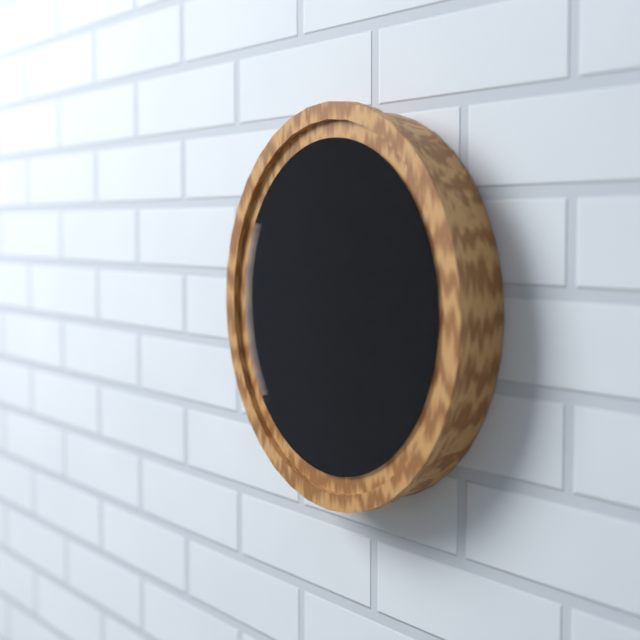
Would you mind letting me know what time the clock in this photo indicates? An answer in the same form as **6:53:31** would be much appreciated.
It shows **8:06:23**
